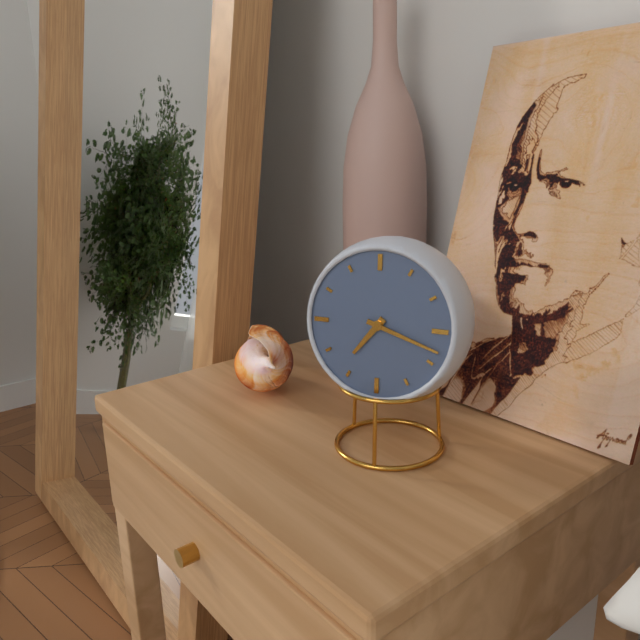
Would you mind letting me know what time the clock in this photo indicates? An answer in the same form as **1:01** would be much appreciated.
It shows **7:18**
